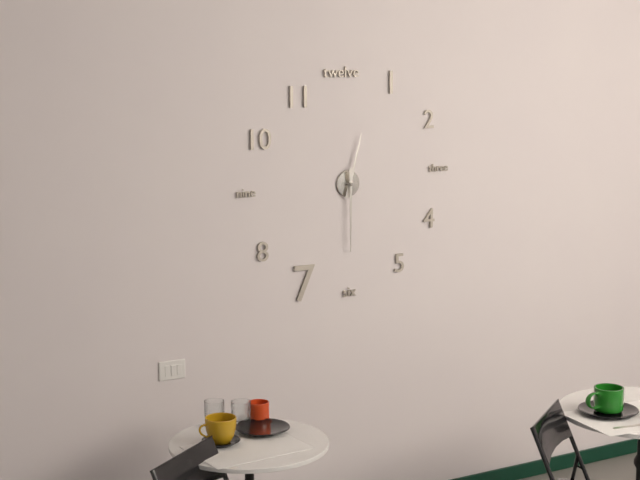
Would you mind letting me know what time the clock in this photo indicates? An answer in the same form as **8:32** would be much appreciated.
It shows **12:30**
